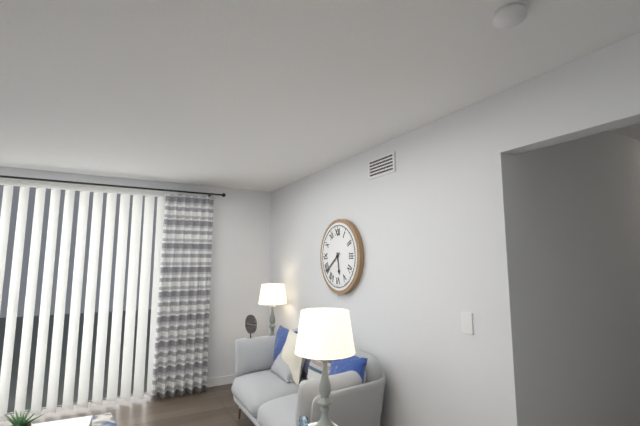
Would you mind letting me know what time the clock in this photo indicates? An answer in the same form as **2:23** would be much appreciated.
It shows **5:39**
